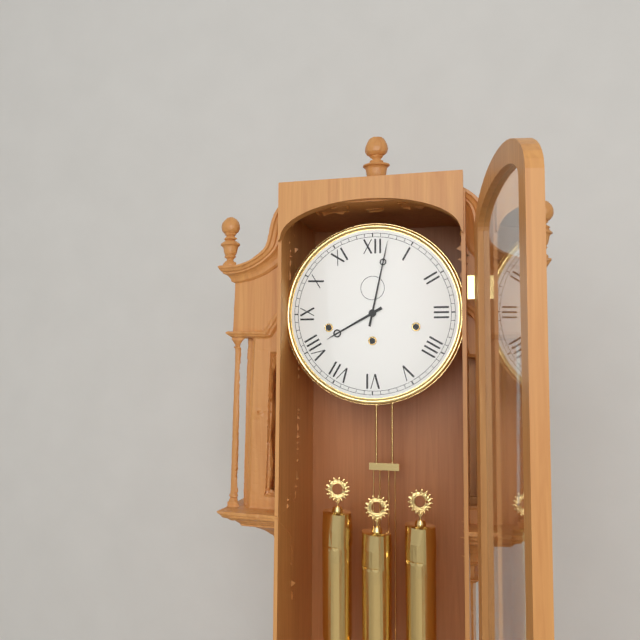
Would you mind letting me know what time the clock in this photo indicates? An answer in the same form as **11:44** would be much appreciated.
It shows **8:02**
